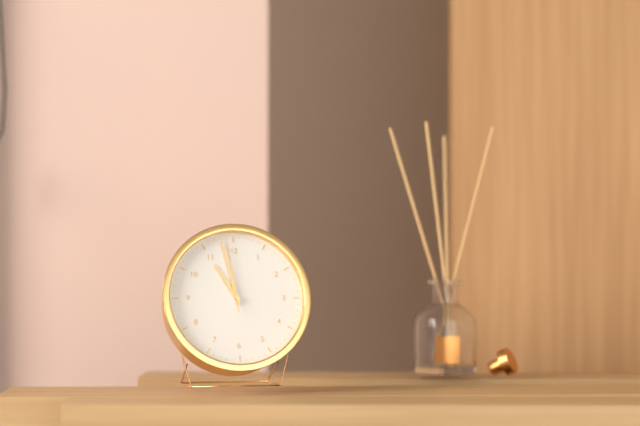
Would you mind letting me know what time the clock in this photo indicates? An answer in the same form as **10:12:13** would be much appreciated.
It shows **10:58:59**
